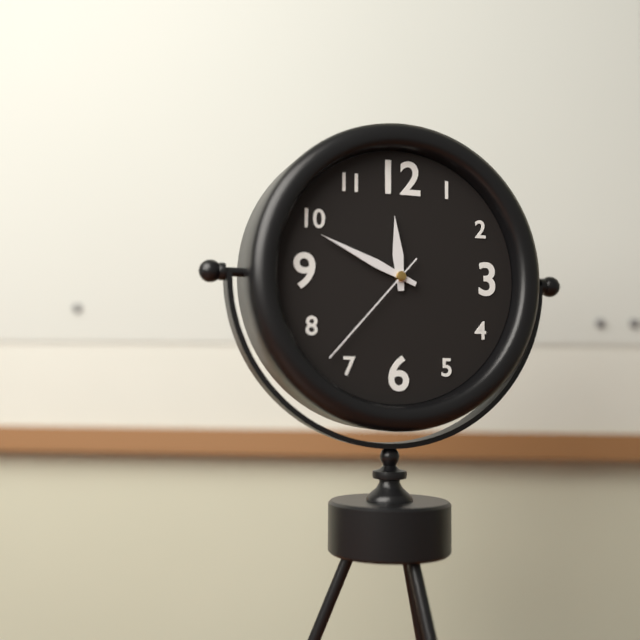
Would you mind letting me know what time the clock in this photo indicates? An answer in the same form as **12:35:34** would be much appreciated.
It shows **11:49:37**
